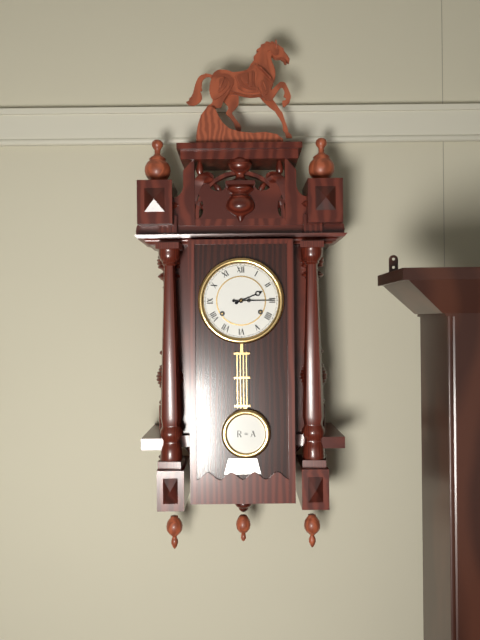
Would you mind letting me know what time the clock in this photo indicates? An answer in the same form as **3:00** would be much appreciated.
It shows **2:15**
